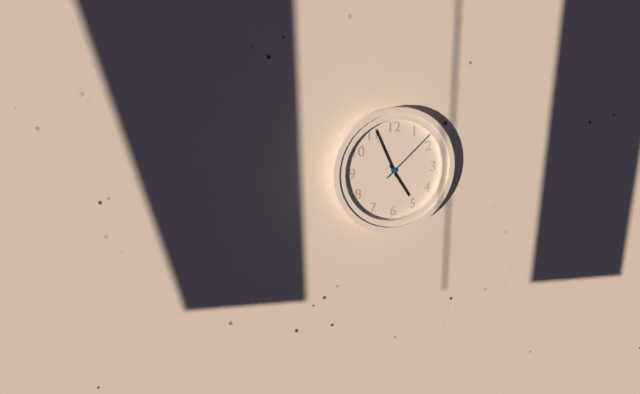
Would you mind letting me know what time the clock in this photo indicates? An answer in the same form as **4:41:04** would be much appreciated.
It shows **4:56:08**
